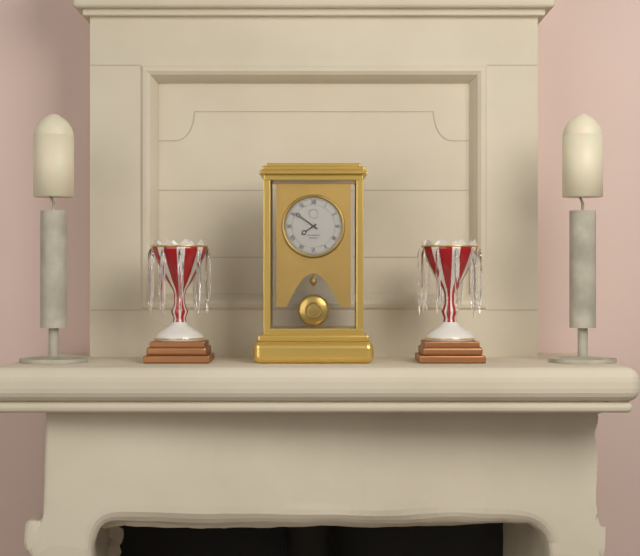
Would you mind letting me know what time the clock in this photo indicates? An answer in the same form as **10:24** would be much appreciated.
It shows **7:51**
